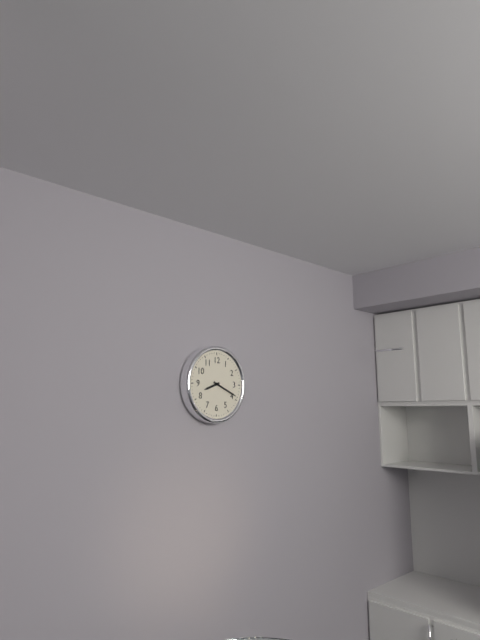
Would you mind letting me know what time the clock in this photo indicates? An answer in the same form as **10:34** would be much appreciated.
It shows **8:19**
